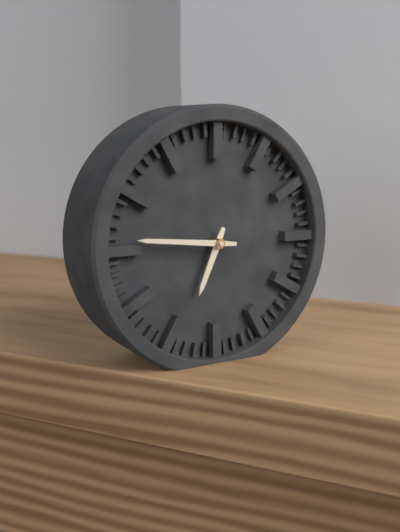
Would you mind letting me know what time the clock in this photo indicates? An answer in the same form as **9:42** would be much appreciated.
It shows **6:46**
